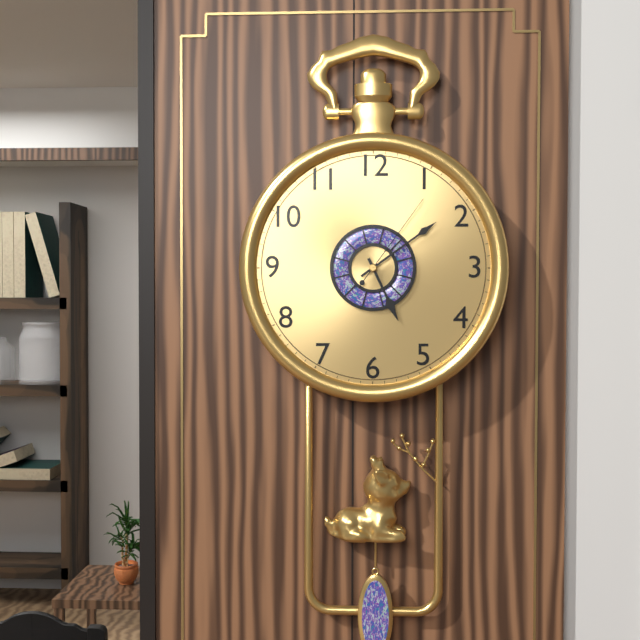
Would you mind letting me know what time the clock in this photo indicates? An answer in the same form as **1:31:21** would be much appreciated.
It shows **5:09:06**
